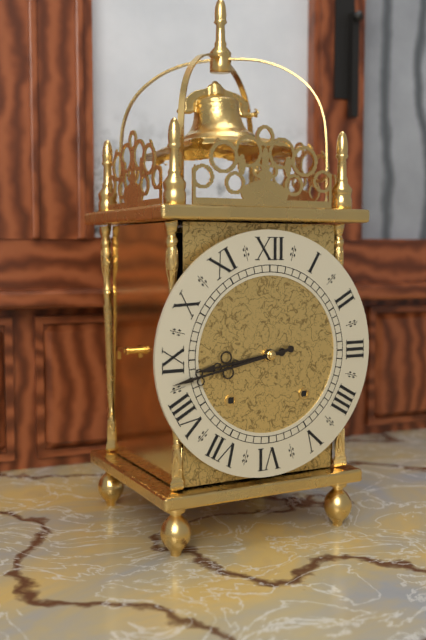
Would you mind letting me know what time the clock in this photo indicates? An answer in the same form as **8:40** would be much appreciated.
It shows **8:43**
